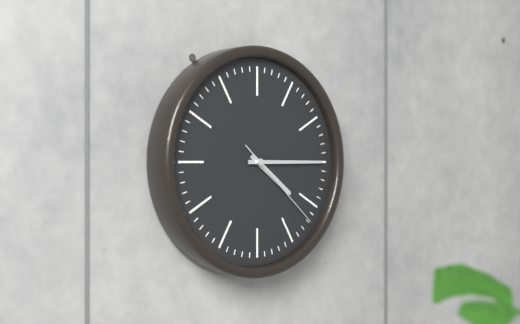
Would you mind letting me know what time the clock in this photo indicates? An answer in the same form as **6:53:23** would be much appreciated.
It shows **4:15:22**
